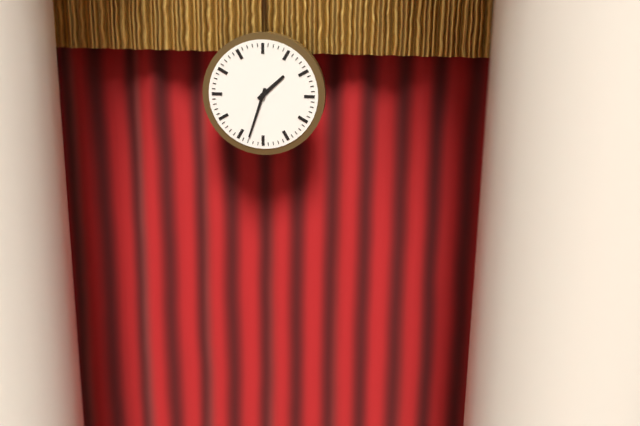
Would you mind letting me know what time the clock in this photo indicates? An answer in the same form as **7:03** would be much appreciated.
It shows **1:33**
